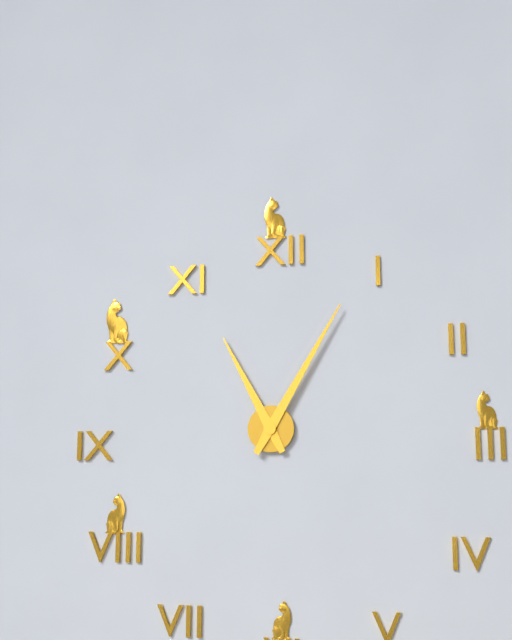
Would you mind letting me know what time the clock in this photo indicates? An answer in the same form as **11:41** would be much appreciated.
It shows **11:05**
